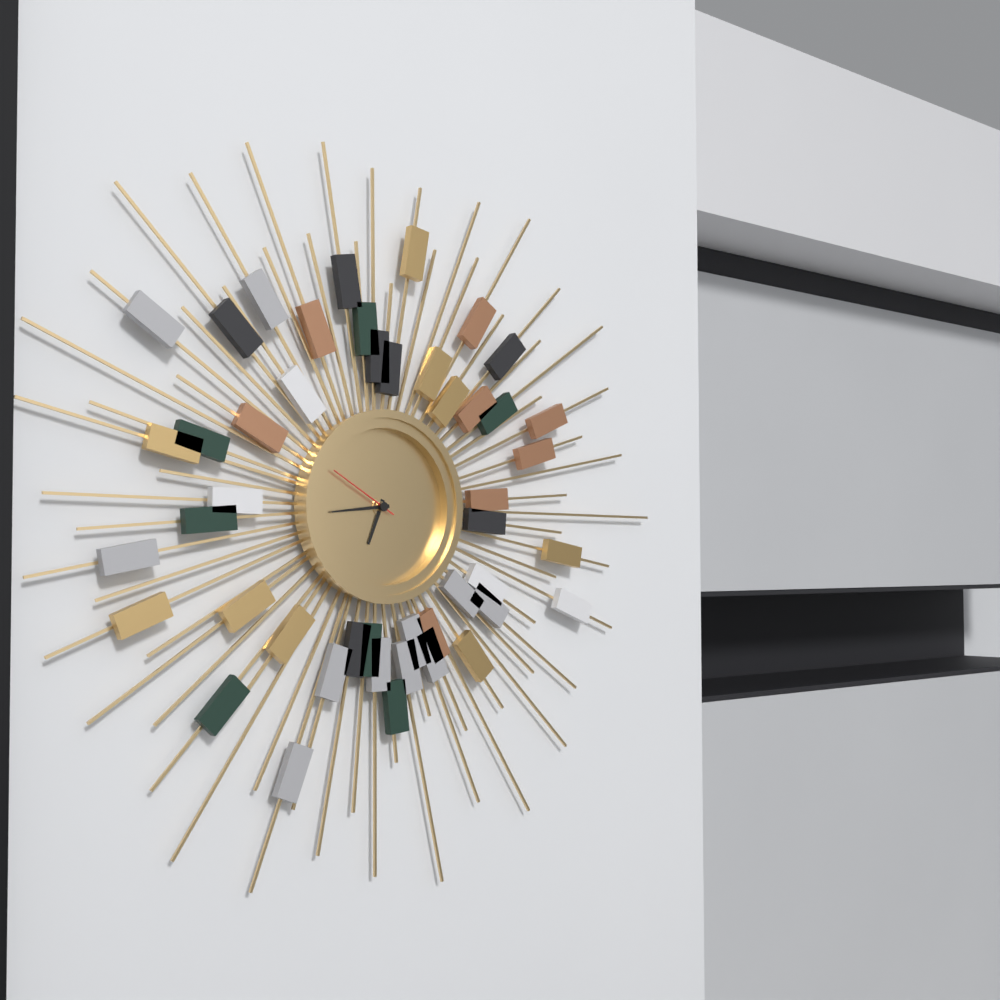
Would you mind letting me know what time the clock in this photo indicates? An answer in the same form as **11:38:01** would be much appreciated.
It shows **6:44:50**
